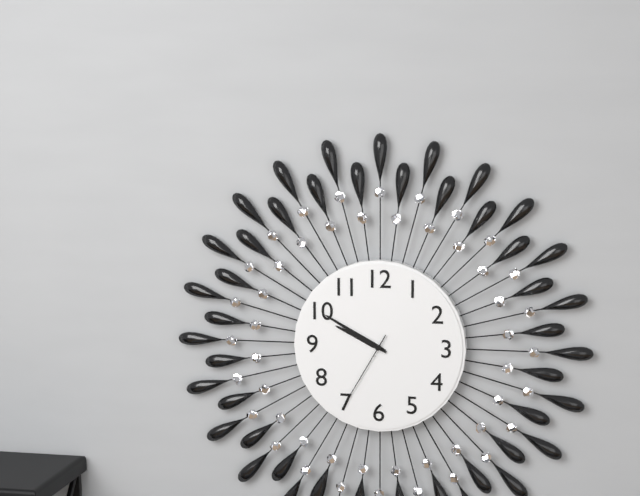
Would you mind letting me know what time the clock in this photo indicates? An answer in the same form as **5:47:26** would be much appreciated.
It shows **9:50:35**
